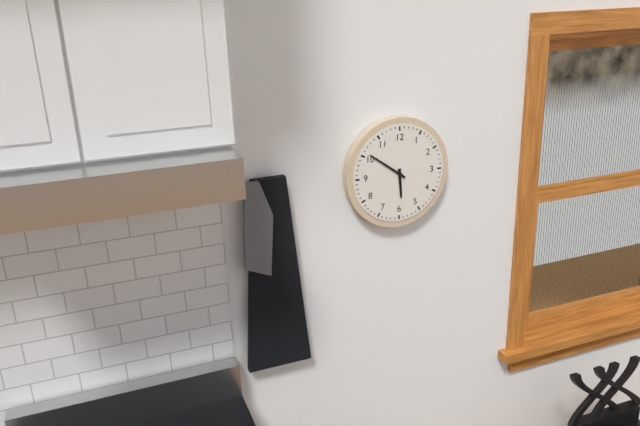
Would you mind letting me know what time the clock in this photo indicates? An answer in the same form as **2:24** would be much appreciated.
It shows **5:51**
